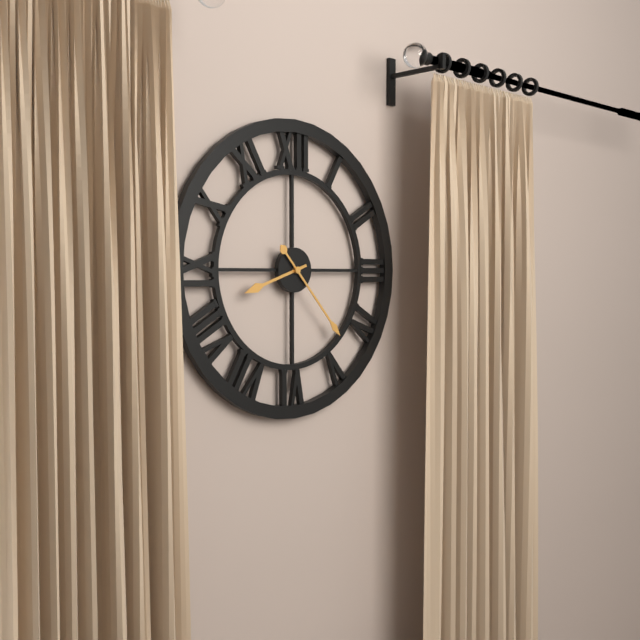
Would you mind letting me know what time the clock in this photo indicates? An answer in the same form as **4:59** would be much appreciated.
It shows **8:23**
